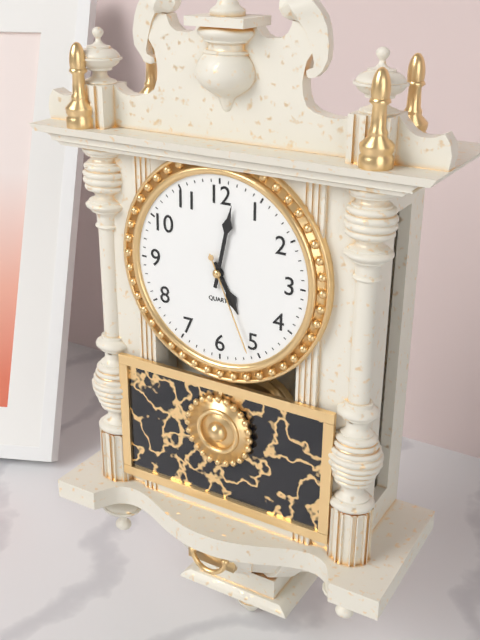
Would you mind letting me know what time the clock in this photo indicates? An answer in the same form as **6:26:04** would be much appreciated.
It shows **5:02:26**
